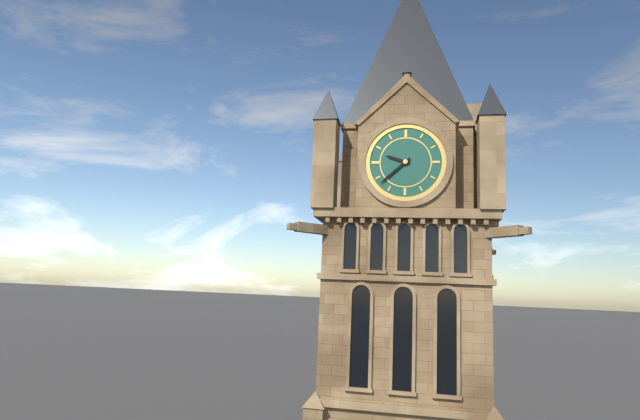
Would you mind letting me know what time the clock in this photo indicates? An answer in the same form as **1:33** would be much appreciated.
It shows **9:38**
